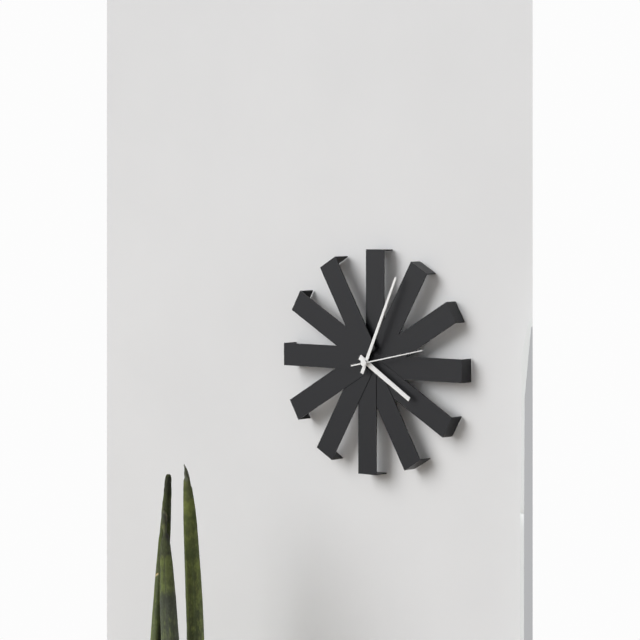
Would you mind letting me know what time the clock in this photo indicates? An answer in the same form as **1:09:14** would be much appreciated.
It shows **4:04:13**
